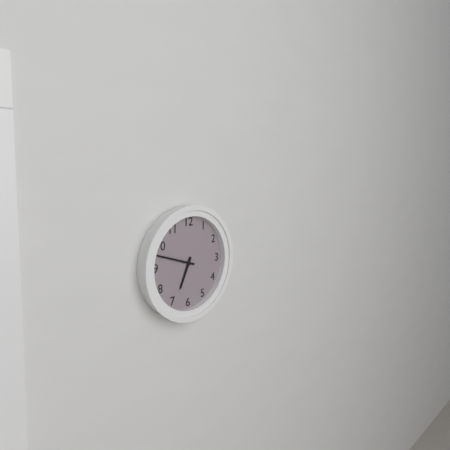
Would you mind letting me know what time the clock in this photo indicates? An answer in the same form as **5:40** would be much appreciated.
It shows **6:48**
